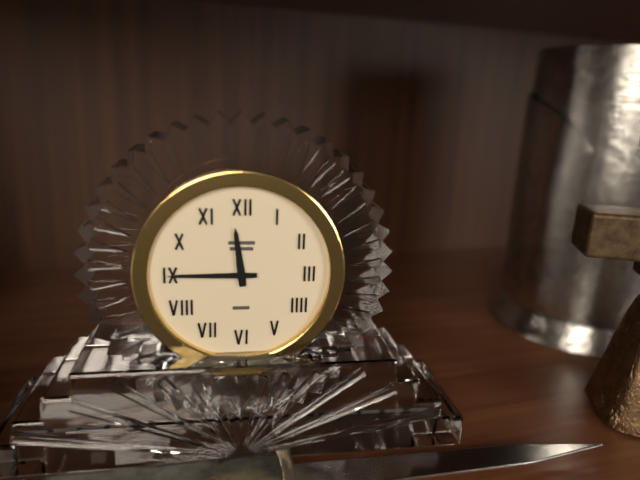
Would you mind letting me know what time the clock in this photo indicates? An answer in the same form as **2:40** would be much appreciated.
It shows **11:45**
